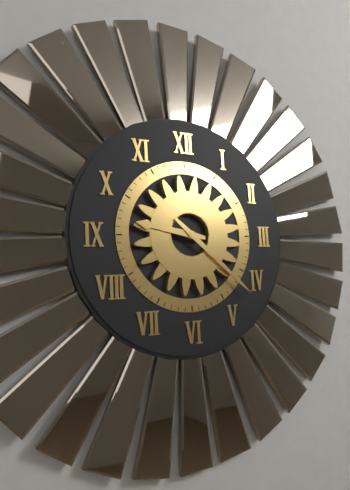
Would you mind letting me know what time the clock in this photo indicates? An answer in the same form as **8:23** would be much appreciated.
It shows **9:22**
